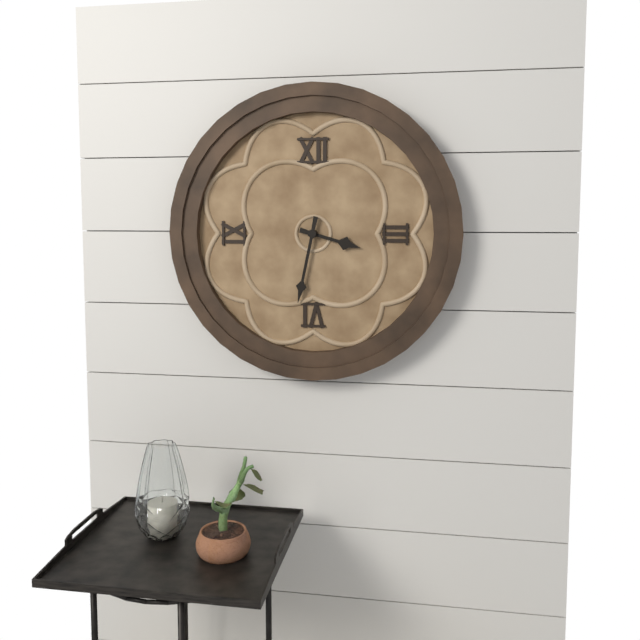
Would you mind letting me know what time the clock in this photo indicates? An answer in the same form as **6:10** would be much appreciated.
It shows **3:32**
